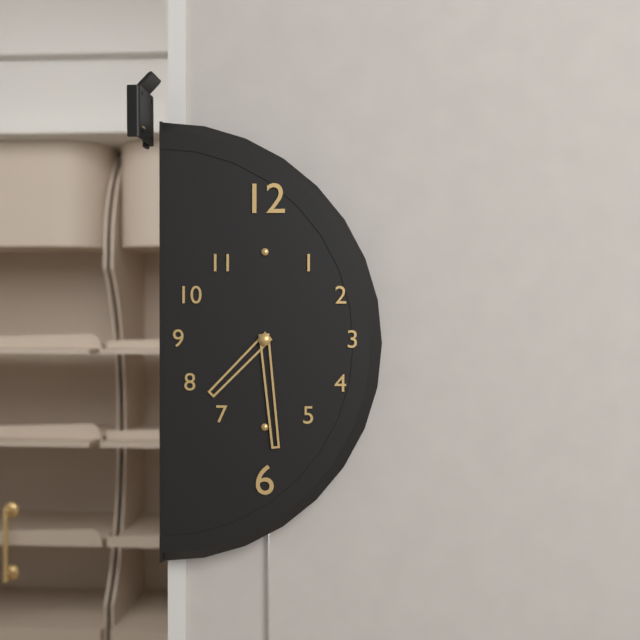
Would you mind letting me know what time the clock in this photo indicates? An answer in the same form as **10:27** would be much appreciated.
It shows **7:29**
